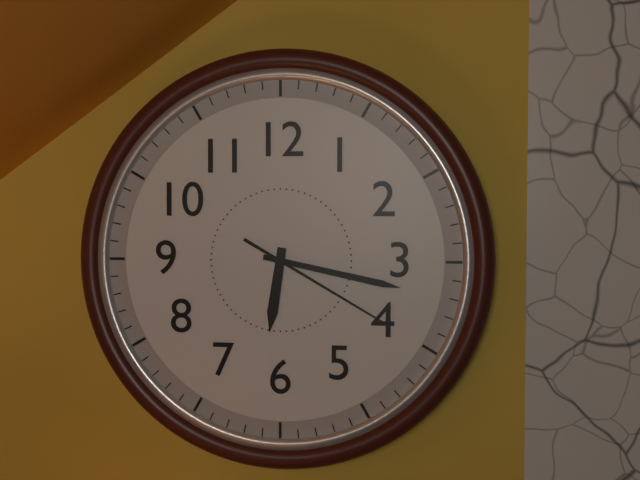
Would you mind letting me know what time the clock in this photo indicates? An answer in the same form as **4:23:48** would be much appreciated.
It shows **6:17:20**
